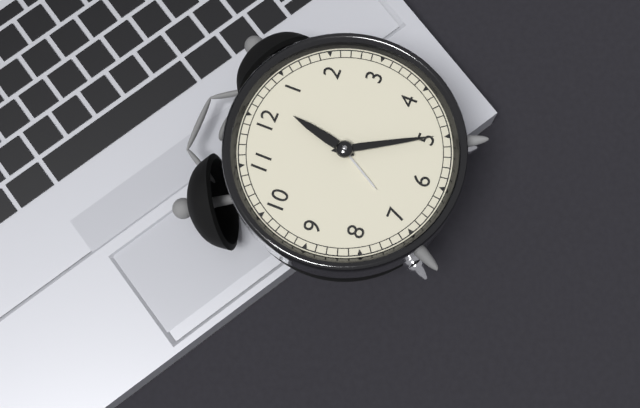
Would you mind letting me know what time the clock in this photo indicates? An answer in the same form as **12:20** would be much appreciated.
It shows **12:25**
